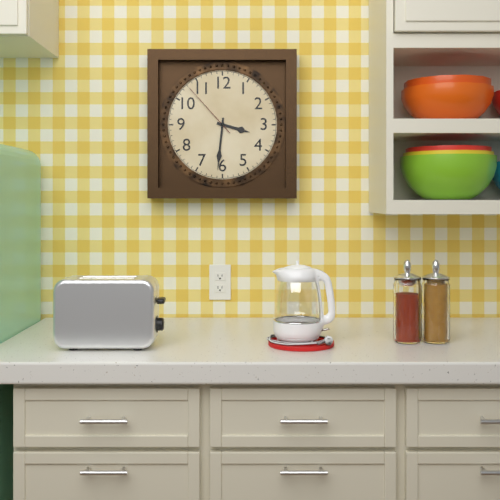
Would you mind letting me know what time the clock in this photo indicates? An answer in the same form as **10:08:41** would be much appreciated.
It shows **3:31:53**
